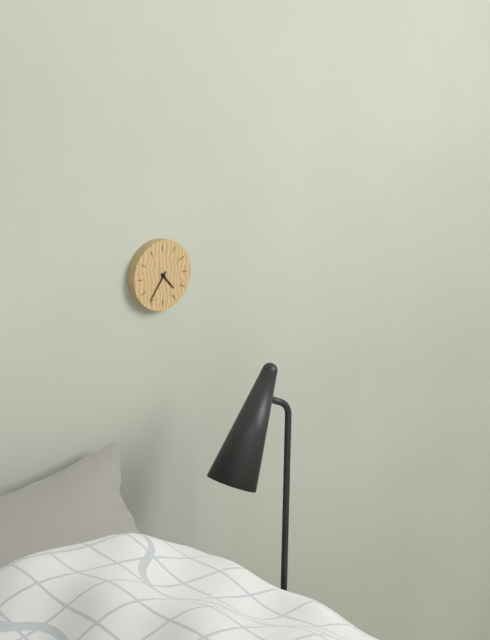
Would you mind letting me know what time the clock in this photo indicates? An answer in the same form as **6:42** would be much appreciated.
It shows **4:36**
